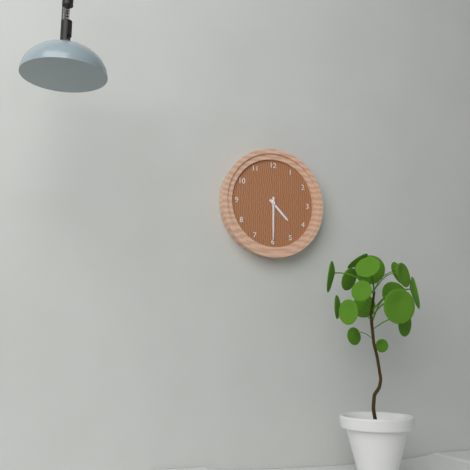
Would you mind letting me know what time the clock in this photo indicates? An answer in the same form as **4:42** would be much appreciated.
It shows **4:30**
